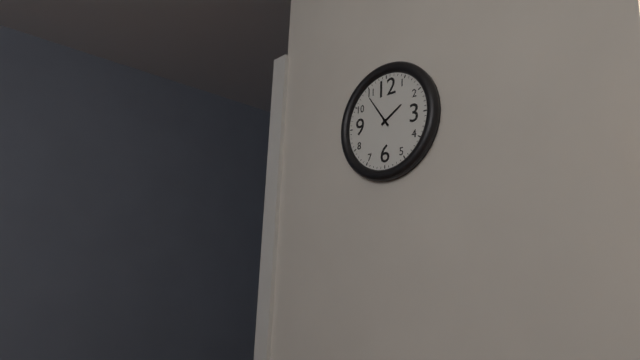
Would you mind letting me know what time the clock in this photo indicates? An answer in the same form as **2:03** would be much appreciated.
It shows **1:54**
